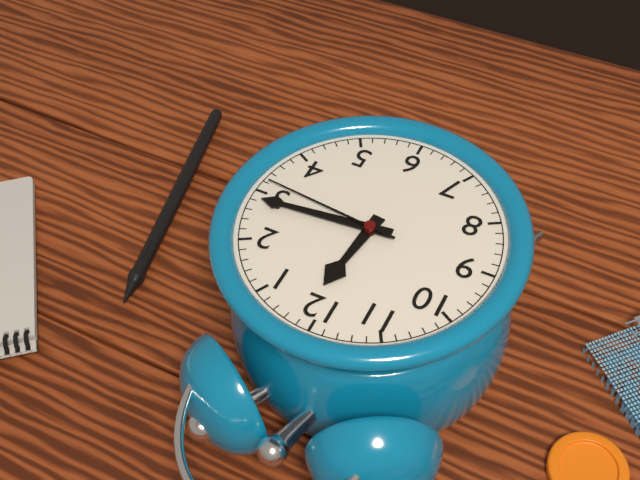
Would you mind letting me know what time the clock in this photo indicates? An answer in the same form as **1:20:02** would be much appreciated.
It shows **12:14:16**
